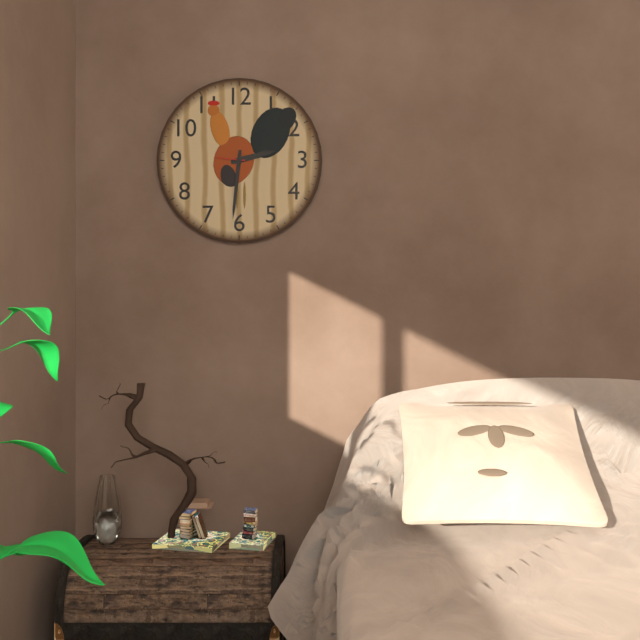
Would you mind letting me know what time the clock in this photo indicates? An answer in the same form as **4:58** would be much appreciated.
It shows **2:31**
